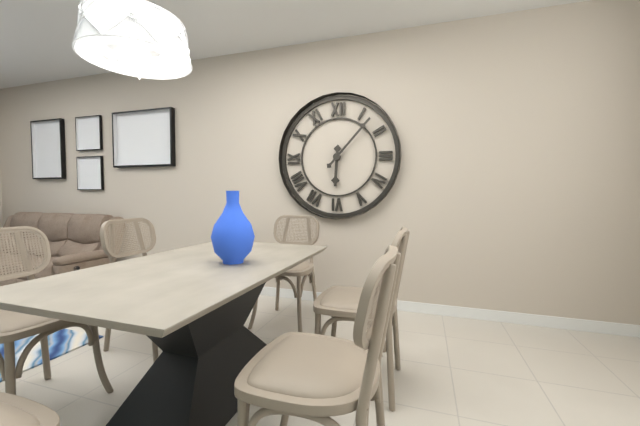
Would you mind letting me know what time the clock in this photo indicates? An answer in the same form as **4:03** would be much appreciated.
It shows **6:07**
